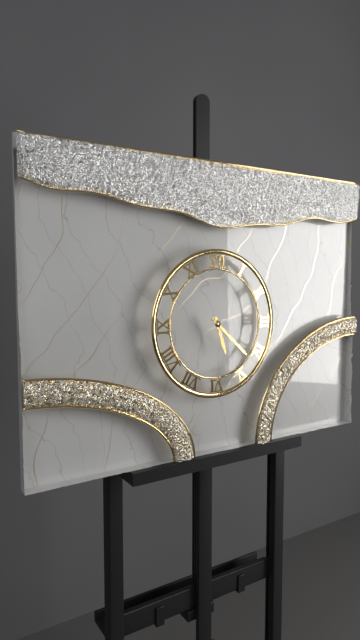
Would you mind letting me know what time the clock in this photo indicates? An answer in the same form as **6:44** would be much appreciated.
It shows **5:22**
